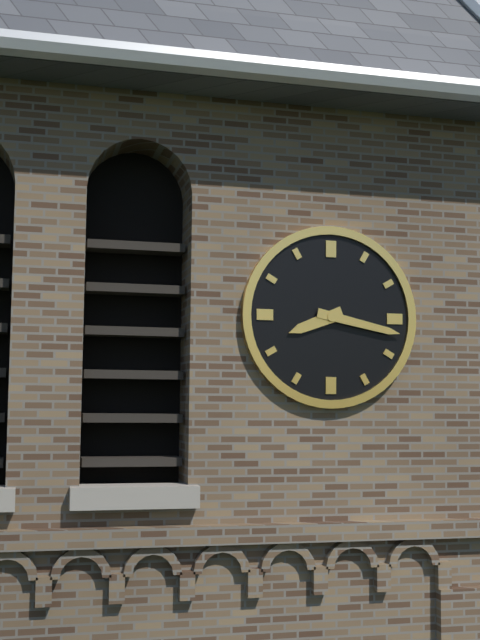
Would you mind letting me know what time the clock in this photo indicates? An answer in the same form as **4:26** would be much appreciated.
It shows **8:17**
